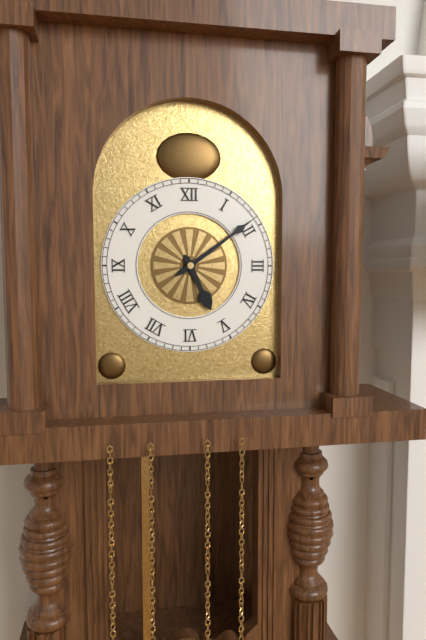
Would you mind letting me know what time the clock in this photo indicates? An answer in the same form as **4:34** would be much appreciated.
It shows **5:09**
